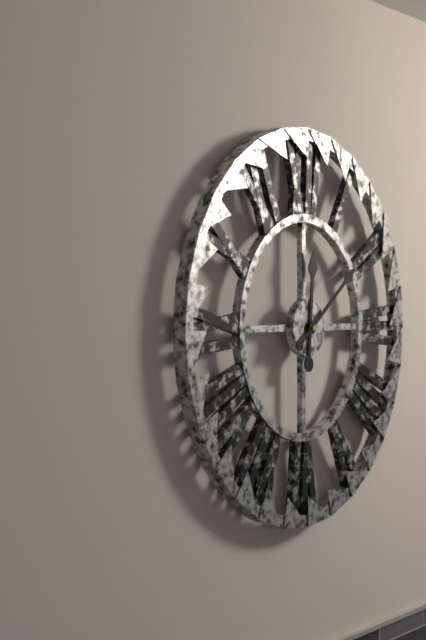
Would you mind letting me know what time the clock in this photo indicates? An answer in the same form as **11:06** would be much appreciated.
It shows **12:09**
